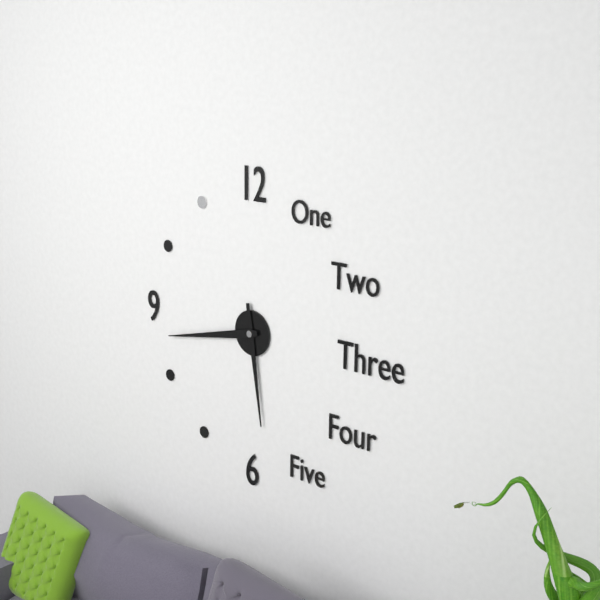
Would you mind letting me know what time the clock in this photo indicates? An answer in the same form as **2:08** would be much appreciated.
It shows **5:43**
